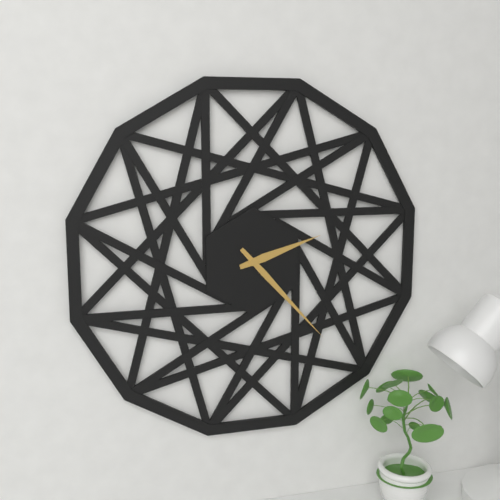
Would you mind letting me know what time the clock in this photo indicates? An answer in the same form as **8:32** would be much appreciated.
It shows **2:23**
